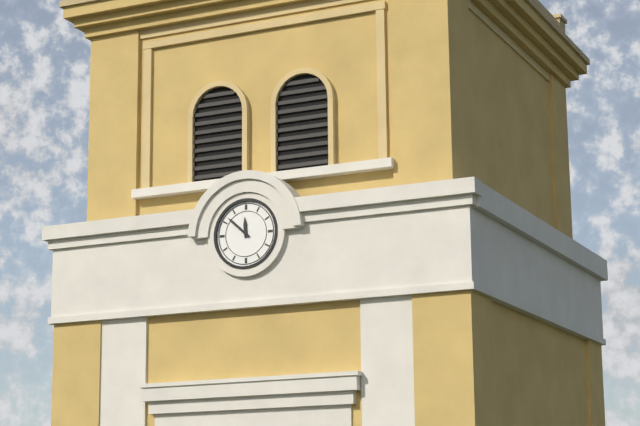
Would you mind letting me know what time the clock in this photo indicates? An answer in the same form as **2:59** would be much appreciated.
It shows **11:52**
